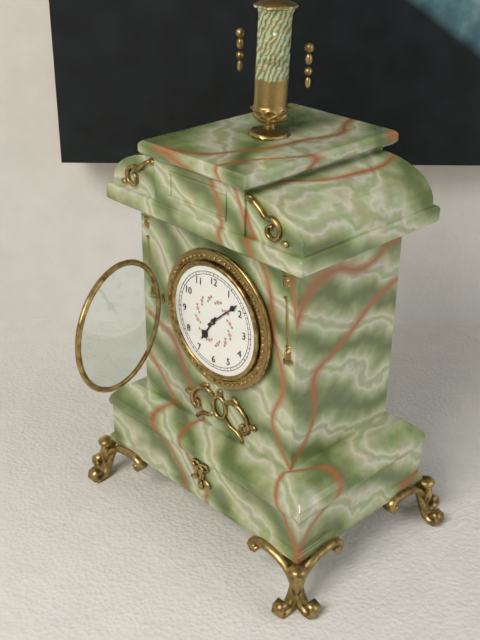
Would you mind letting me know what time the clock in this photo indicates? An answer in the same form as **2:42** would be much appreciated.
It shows **7:08**
